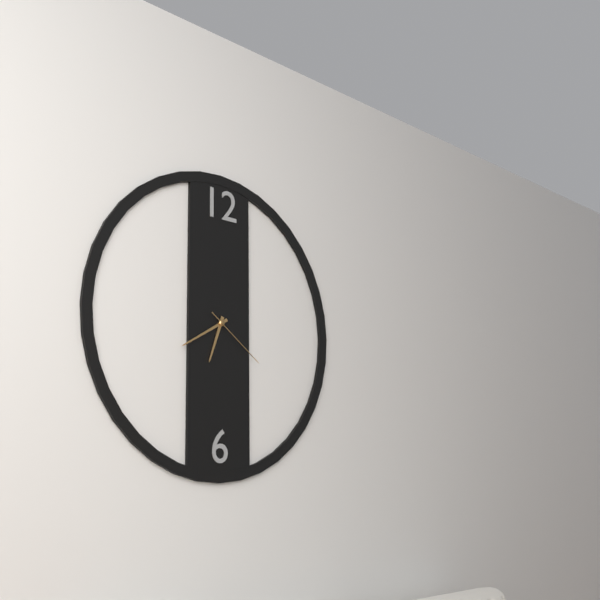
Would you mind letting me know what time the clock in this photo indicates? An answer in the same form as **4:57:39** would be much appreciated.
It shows **6:40:21**
